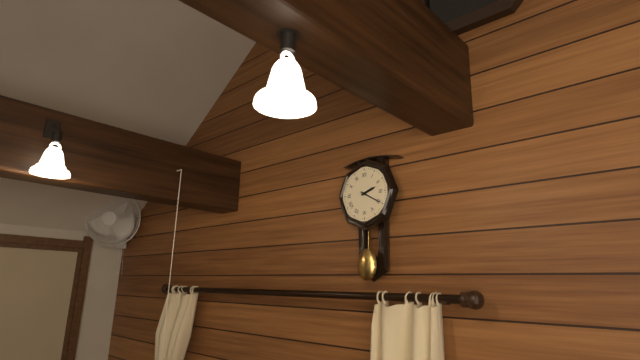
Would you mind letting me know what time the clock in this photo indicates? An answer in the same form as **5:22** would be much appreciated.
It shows **2:20**
